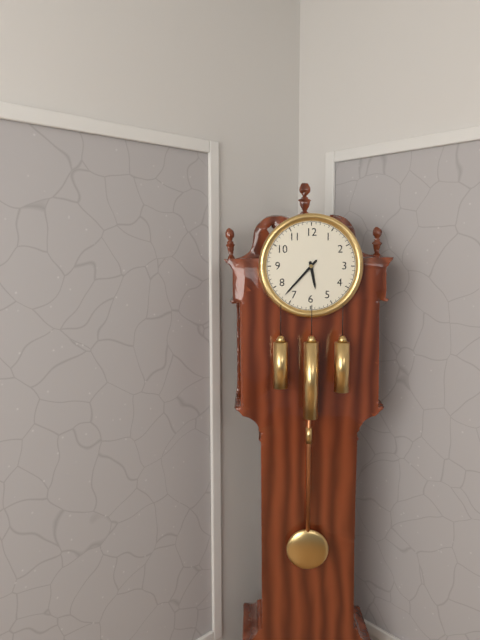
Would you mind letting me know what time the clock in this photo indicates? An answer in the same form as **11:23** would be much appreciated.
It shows **5:37**
